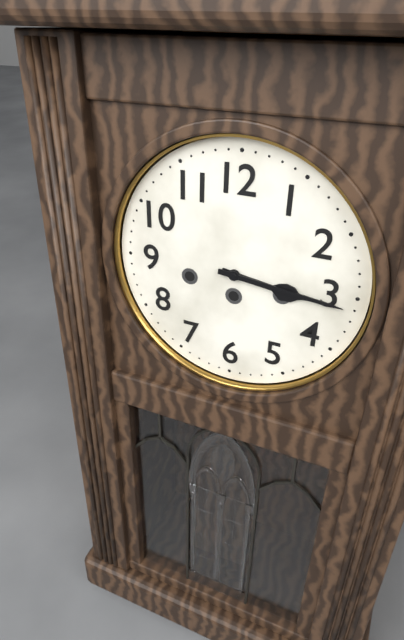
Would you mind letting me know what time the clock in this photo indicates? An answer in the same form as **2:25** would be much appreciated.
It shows **3:16**
